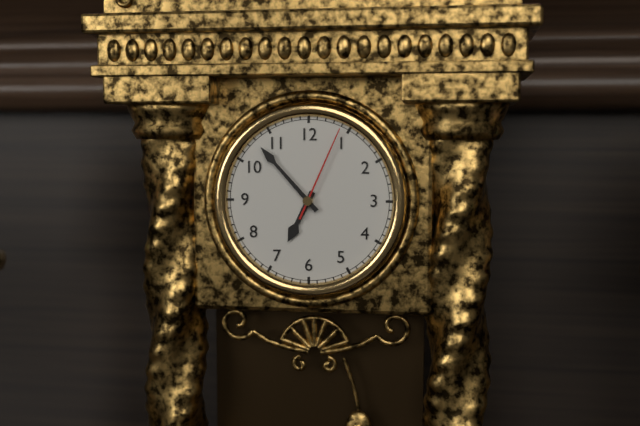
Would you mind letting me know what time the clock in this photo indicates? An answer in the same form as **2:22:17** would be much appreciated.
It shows **6:53:04**
